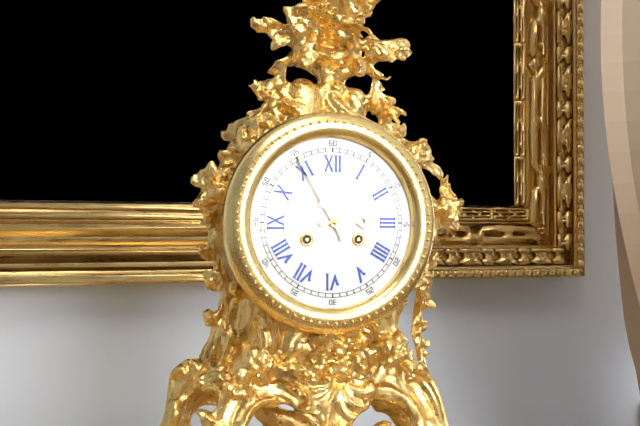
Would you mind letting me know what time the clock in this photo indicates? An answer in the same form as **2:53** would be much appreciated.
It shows **2:55**
